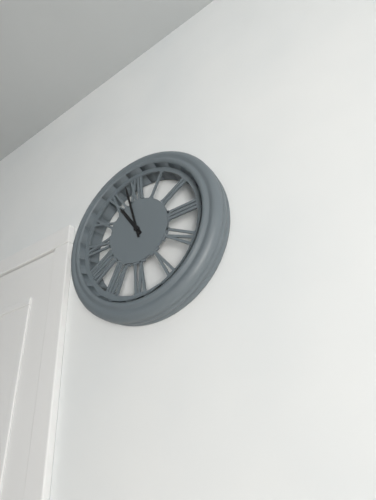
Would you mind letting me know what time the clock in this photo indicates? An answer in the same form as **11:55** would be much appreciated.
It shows **10:58**
